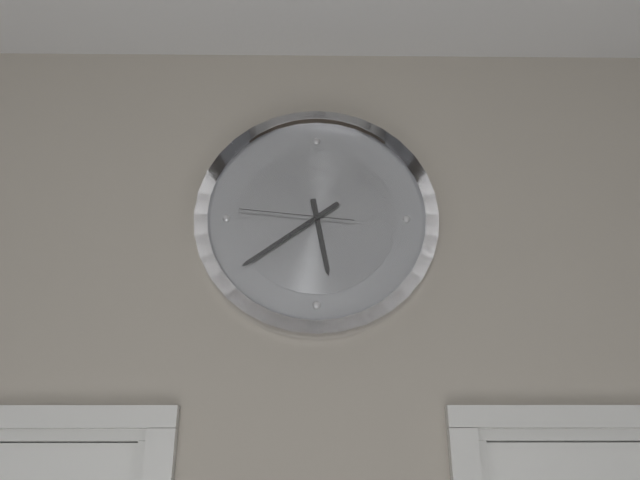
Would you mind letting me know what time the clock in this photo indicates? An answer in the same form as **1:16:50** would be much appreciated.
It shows **5:39:46**
